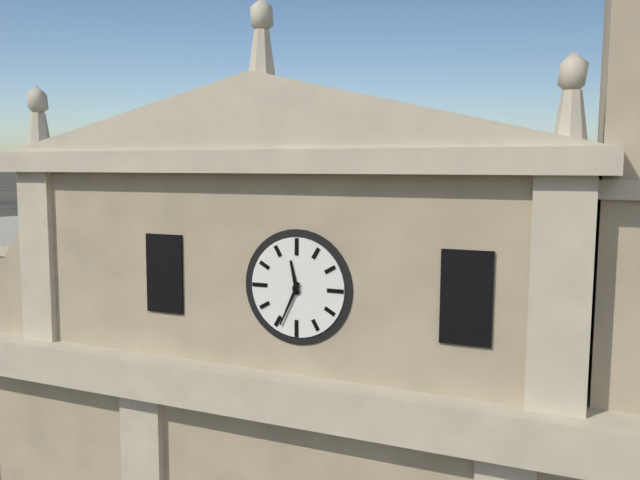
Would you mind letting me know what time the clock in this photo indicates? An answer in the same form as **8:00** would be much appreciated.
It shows **11:34**
